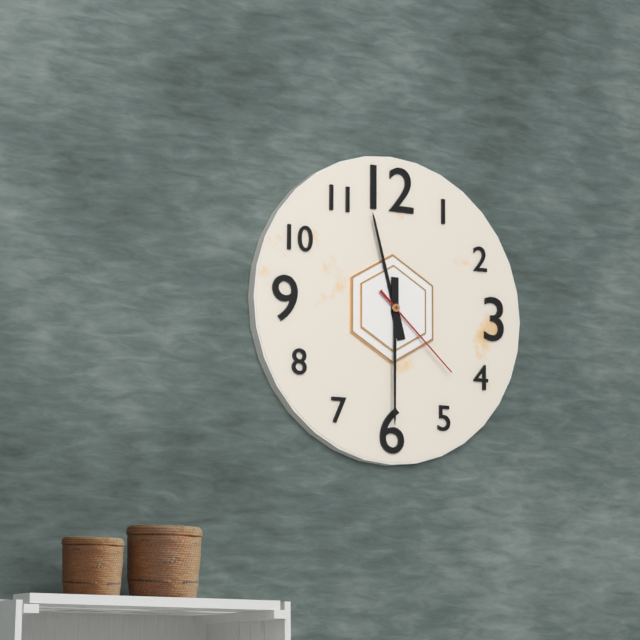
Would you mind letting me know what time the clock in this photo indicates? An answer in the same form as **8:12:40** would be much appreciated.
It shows **11:30:22**
